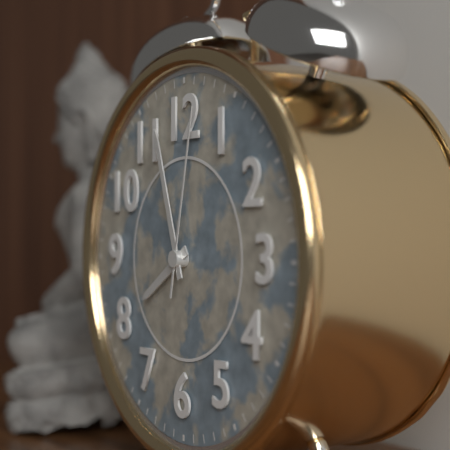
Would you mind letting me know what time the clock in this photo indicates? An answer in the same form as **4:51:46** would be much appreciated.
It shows **7:57:02**
